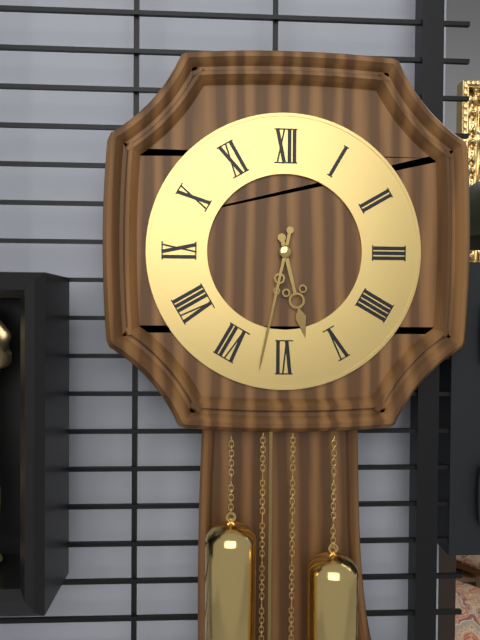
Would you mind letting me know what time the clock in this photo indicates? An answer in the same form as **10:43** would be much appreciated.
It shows **5:32**
